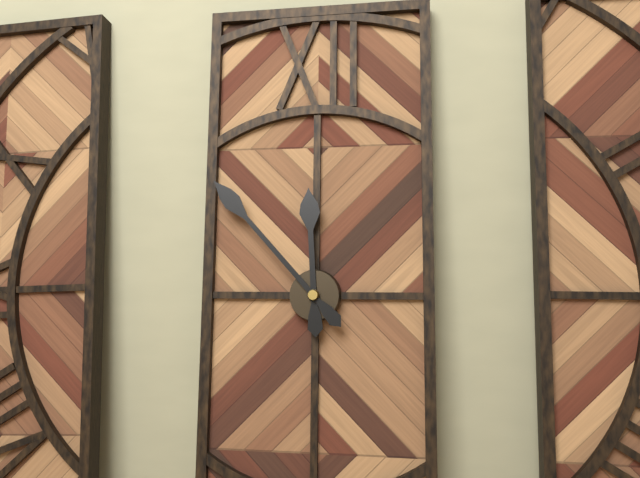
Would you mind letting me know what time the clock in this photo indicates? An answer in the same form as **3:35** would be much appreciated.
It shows **11:53**
